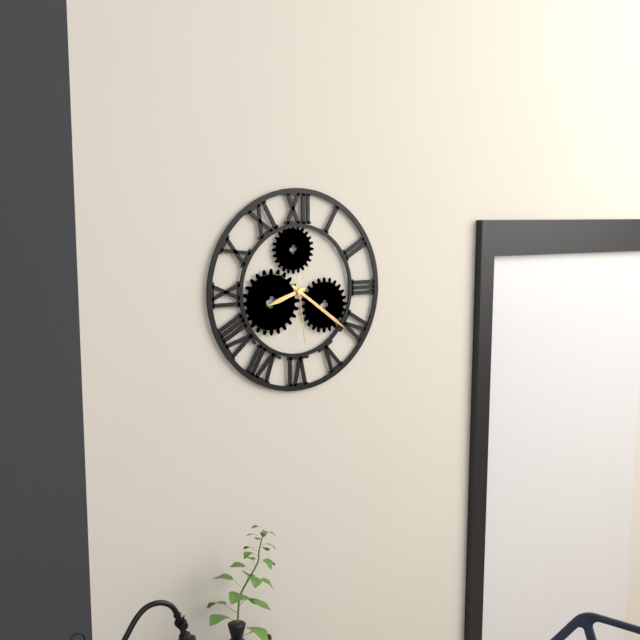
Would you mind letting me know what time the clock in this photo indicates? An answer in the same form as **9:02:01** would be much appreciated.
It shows **8:21:29**
